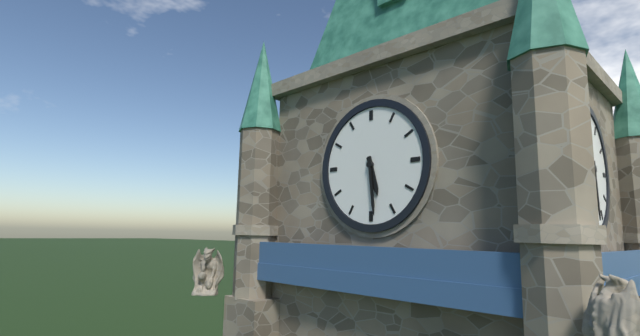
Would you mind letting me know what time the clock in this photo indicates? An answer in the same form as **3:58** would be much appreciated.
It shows **5:29**
